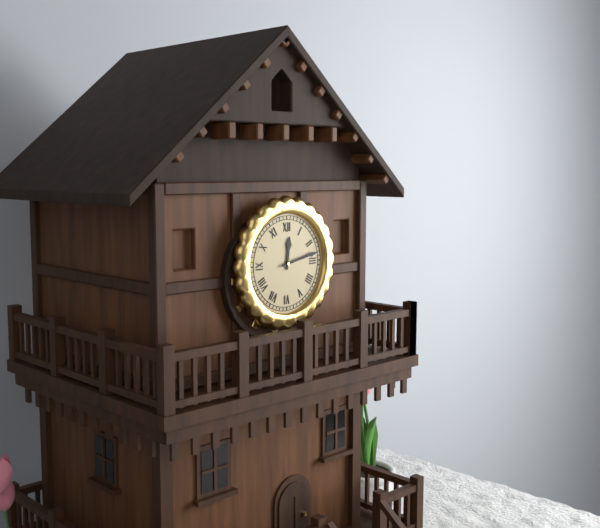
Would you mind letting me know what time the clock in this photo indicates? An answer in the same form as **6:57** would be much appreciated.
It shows **12:13**
